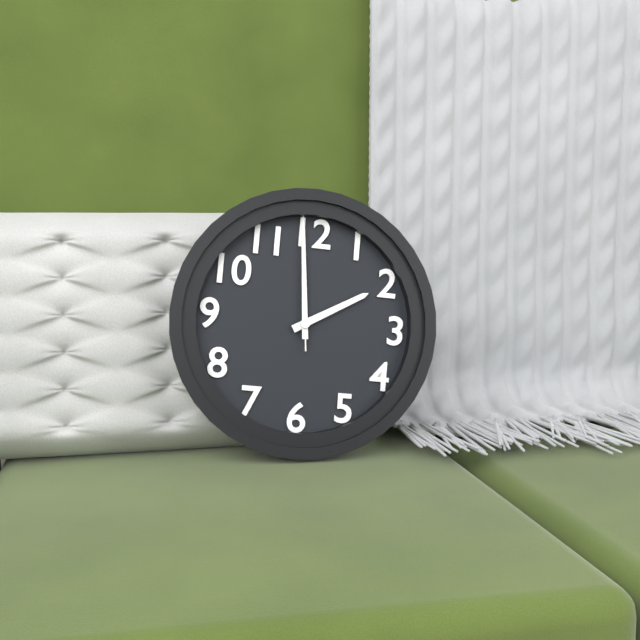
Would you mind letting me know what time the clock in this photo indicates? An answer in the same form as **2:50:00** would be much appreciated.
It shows **1:59:59**
